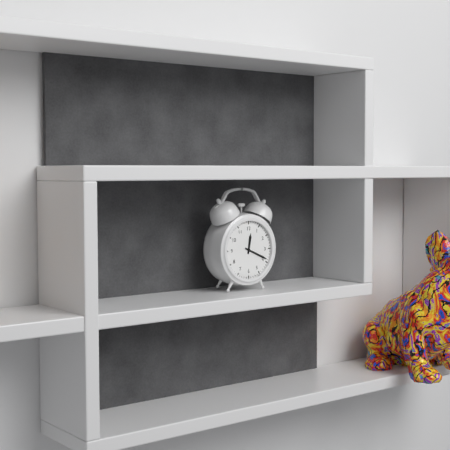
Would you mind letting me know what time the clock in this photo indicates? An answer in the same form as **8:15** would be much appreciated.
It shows **12:19**
